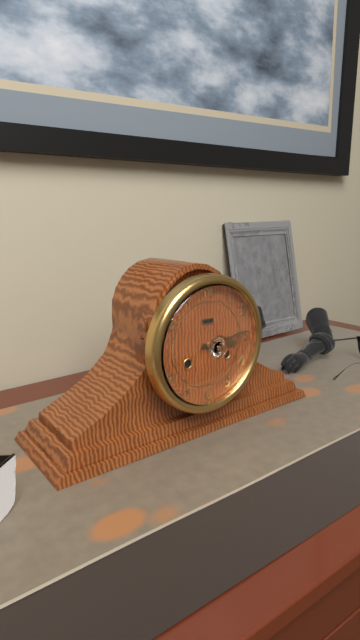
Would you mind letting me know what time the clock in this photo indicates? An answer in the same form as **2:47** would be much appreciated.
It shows **3:14**
